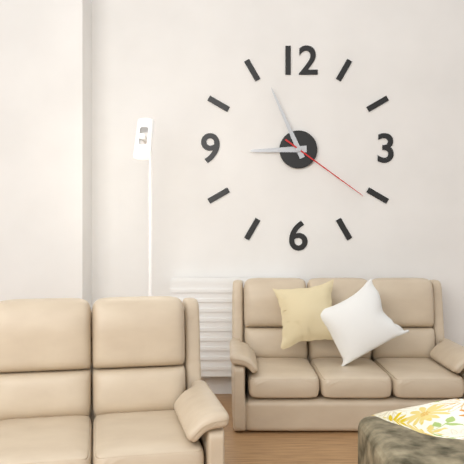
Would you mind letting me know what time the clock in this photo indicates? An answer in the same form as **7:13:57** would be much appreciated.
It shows **8:56:21**
